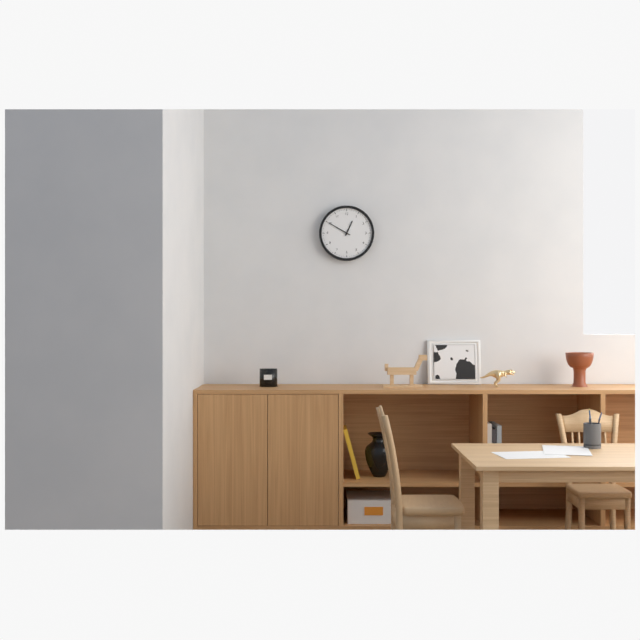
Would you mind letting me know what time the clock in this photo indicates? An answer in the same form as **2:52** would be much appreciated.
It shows **12:50**
